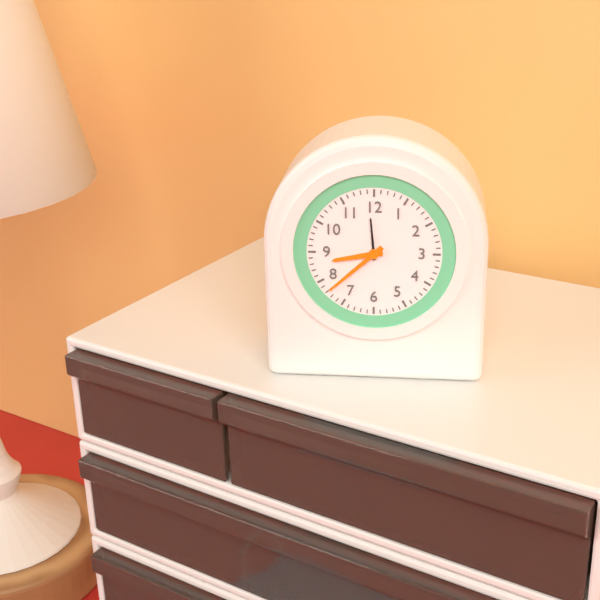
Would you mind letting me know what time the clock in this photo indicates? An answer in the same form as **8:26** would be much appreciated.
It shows **8:38**
